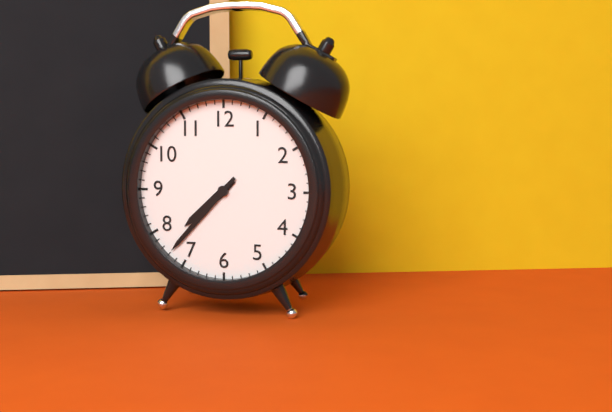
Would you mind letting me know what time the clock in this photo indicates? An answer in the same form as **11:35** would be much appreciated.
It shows **7:37**
